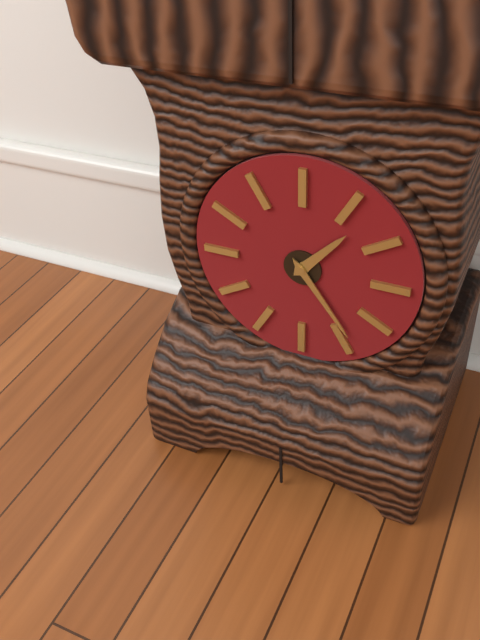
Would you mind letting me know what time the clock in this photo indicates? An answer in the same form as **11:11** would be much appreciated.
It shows **1:24**
